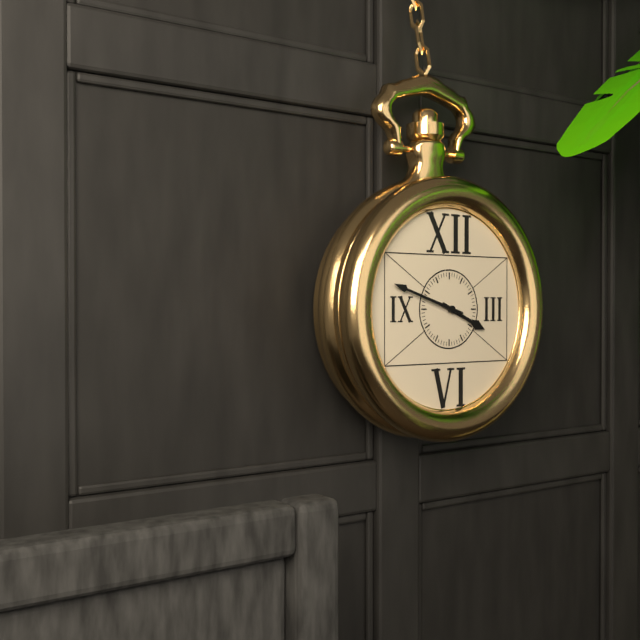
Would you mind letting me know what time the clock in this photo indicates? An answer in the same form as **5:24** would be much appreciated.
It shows **3:48**
